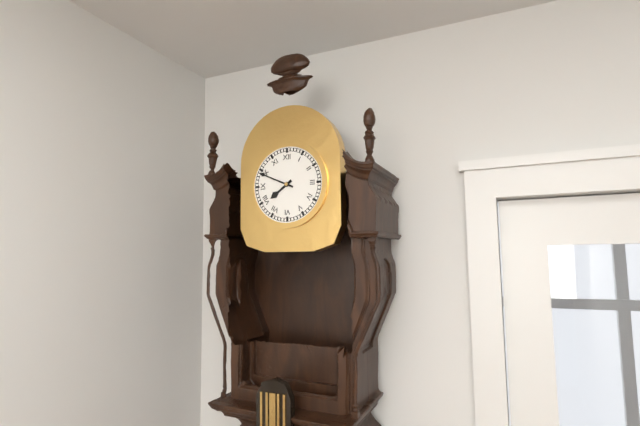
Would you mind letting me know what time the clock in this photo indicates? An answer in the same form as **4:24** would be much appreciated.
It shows **7:49**
